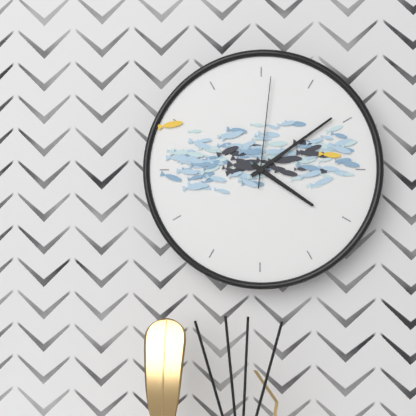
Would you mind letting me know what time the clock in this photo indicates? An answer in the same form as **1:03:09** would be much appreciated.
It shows **4:09:01**
